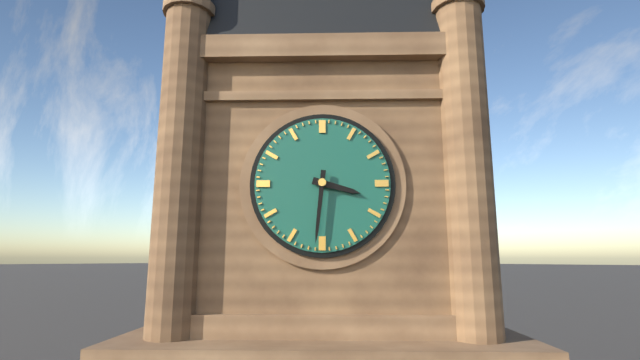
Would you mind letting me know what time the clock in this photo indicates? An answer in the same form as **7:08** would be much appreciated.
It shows **3:31**
